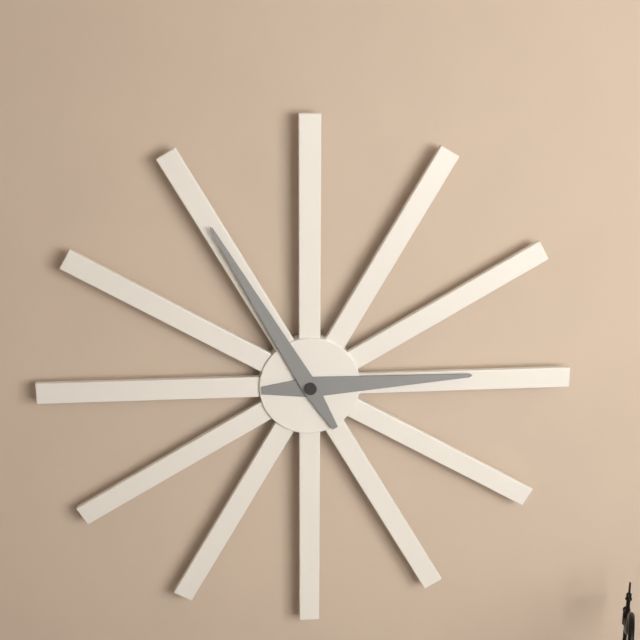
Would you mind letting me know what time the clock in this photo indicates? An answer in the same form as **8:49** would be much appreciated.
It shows **2:55**
